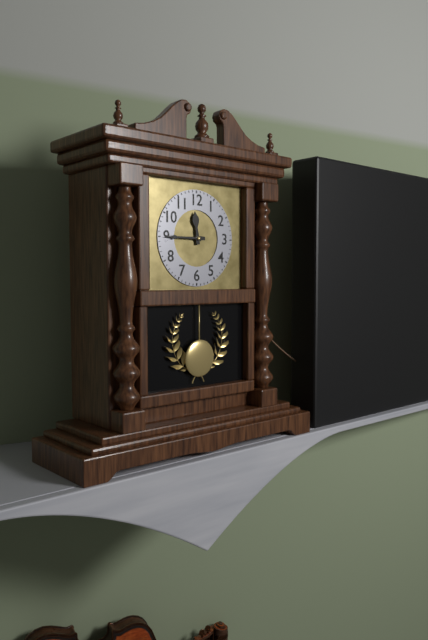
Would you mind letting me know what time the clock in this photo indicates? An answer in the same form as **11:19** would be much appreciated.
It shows **11:45**
